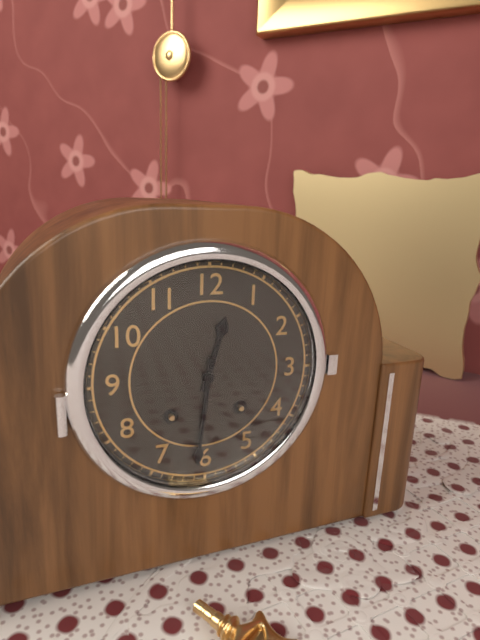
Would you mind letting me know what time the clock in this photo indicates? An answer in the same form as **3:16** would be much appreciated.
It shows **12:31**
